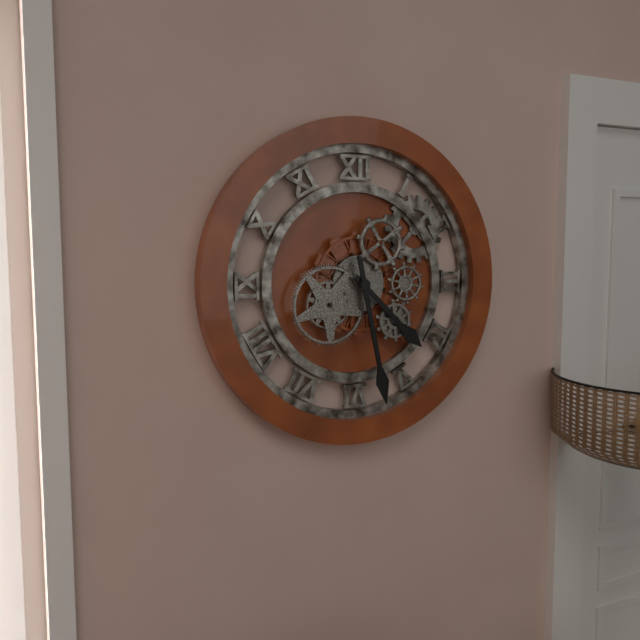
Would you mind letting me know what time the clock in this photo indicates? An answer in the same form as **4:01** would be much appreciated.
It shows **4:28**
